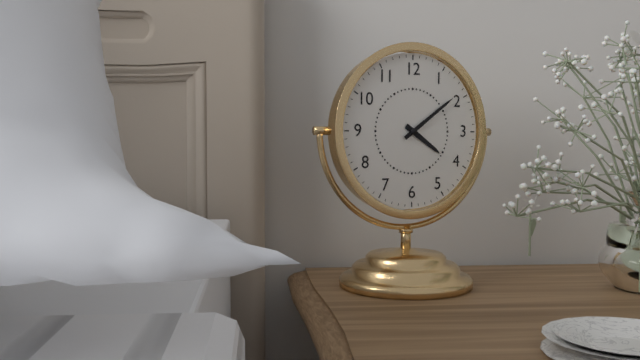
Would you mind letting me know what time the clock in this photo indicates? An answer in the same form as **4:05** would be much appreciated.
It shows **4:09**
